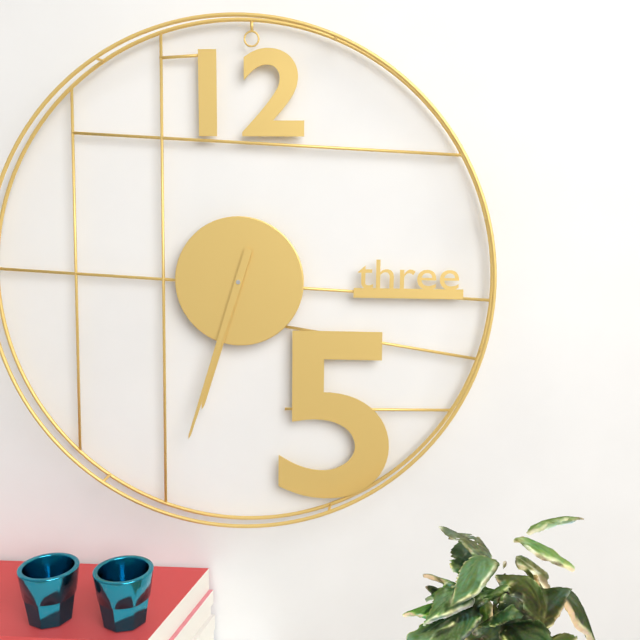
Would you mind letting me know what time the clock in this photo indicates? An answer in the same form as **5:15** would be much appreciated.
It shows **6:33**
